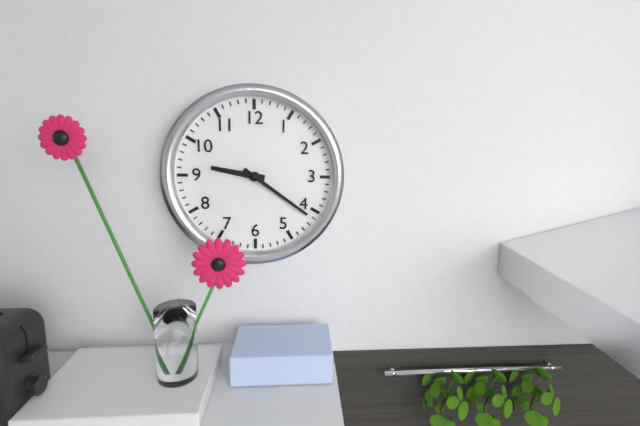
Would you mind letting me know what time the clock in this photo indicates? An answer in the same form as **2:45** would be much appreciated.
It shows **9:21**
